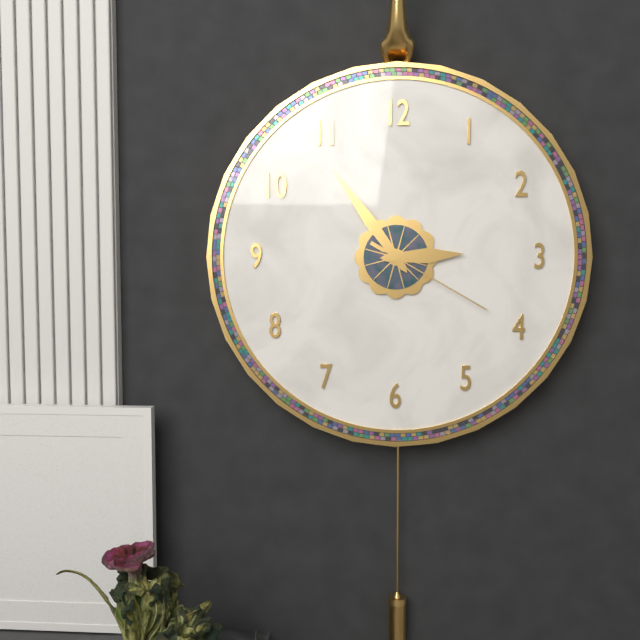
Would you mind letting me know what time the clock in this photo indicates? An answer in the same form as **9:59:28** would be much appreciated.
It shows **2:54:20**
